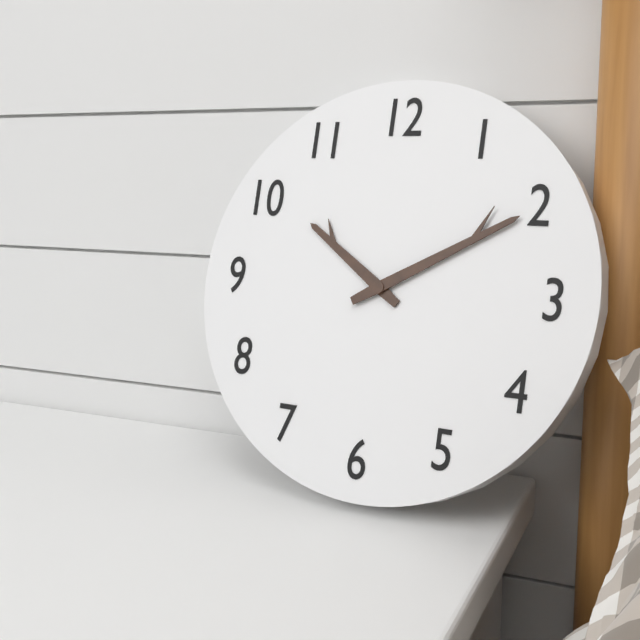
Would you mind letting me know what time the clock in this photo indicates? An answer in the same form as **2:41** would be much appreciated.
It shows **10:10**
